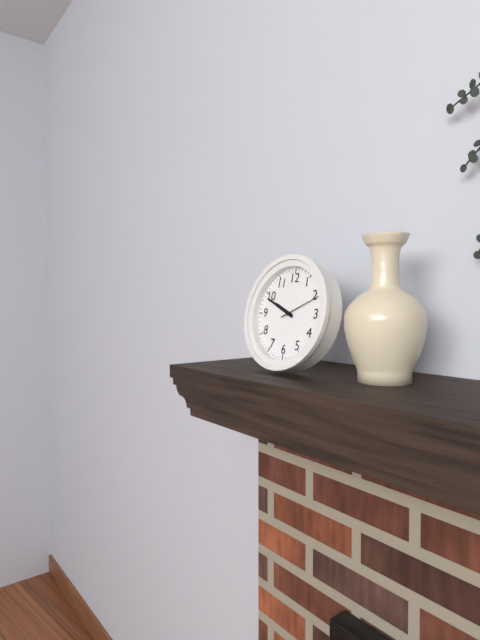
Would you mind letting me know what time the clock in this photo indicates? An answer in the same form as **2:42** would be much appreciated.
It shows **9:49**
